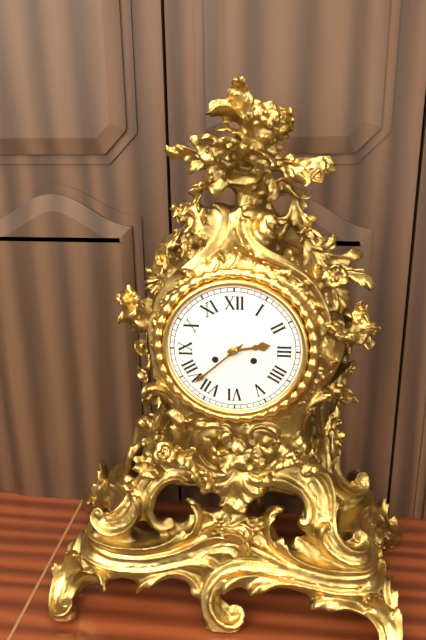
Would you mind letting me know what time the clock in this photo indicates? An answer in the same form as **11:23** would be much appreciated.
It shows **2:38**
